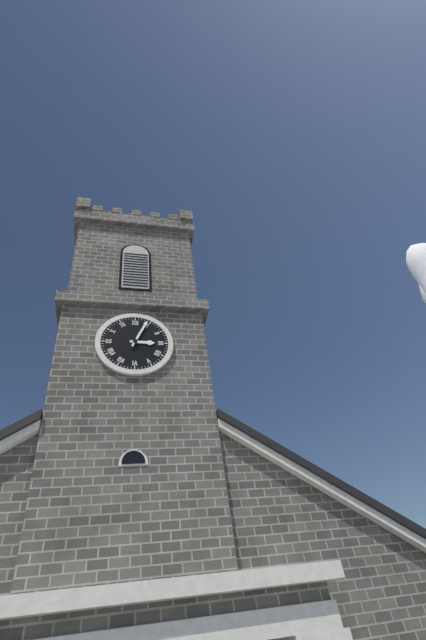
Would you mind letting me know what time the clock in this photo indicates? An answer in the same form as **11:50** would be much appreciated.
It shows **3:04**
